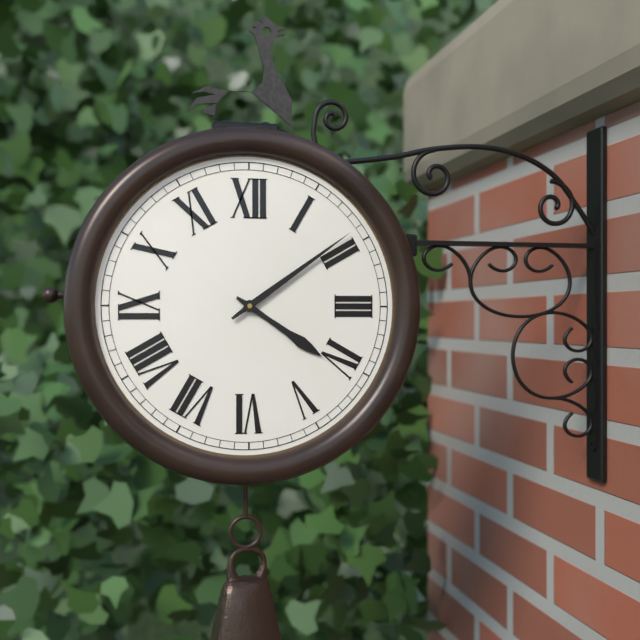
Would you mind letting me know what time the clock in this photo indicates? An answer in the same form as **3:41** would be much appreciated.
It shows **4:09**
